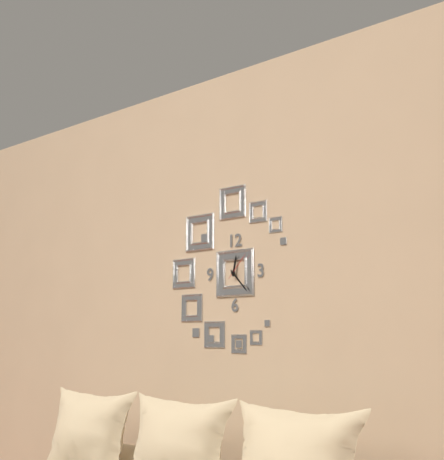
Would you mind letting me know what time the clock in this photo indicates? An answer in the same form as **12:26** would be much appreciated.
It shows **12:23**
